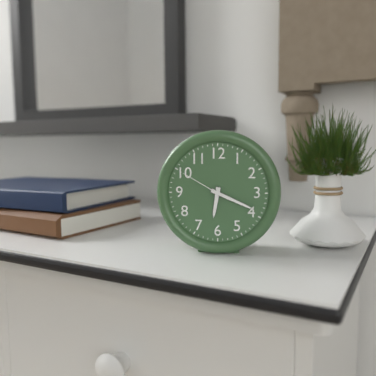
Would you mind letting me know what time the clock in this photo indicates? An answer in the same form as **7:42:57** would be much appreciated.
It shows **6:19:50**
